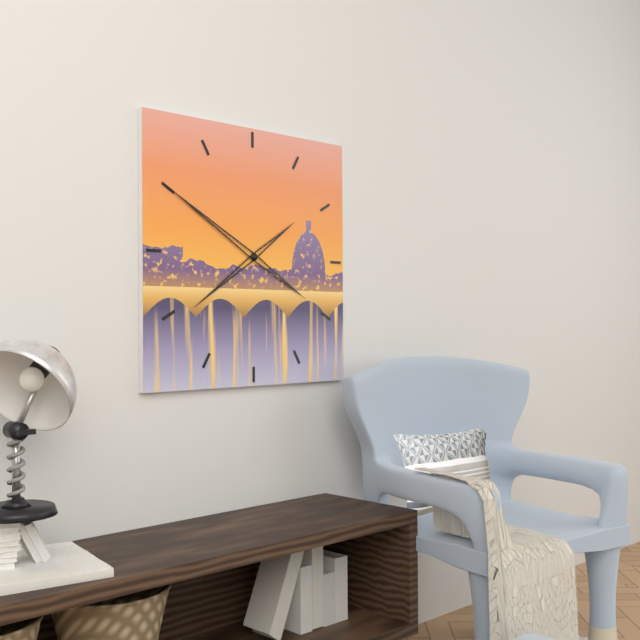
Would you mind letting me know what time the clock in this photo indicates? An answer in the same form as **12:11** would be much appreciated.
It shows **7:50**
